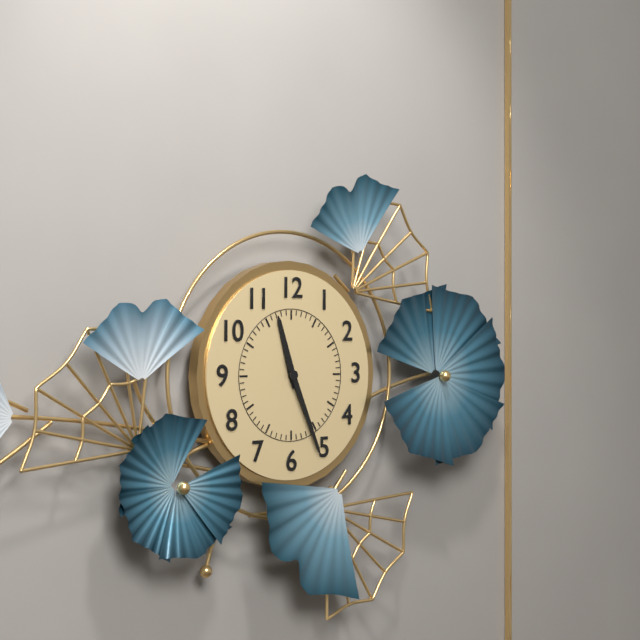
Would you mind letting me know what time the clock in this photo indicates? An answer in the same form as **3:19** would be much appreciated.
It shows **11:26**
